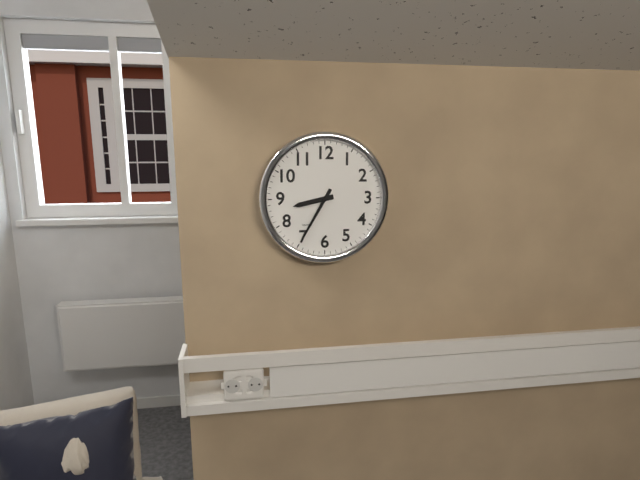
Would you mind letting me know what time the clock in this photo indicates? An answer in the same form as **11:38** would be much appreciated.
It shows **8:35**
